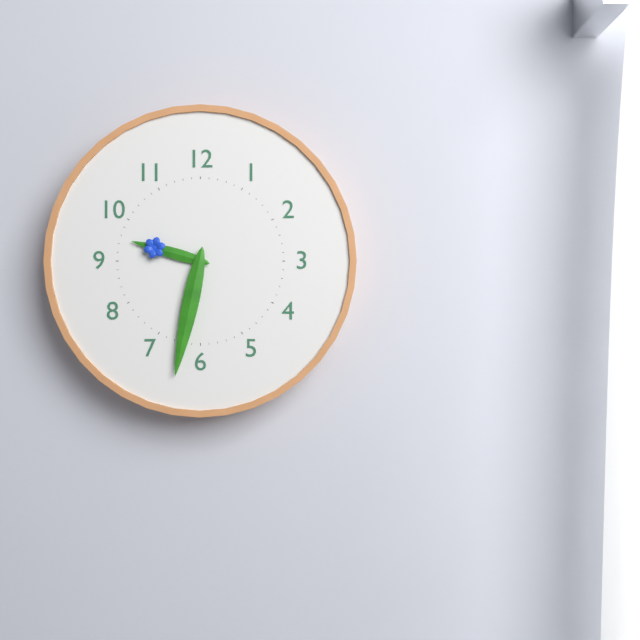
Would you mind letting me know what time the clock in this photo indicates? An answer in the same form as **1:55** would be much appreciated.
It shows **9:32**
